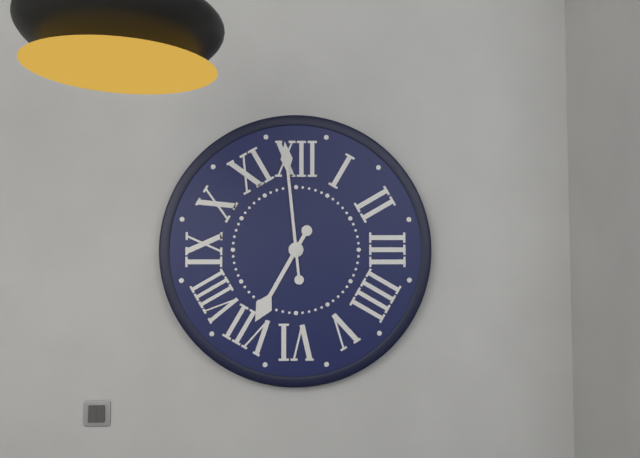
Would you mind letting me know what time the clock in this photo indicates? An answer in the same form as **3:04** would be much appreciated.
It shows **6:59**
